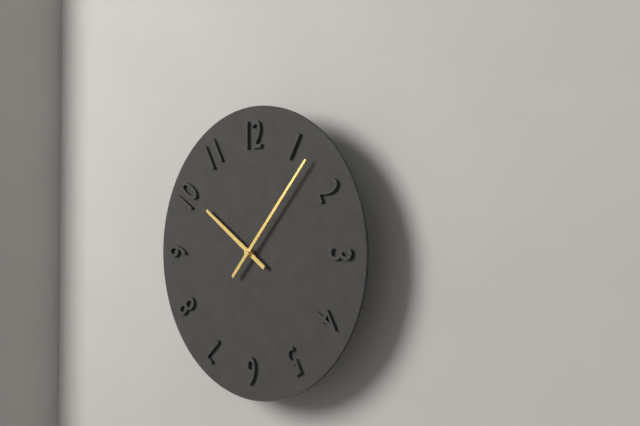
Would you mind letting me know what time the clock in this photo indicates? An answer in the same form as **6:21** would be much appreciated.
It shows **10:07**
